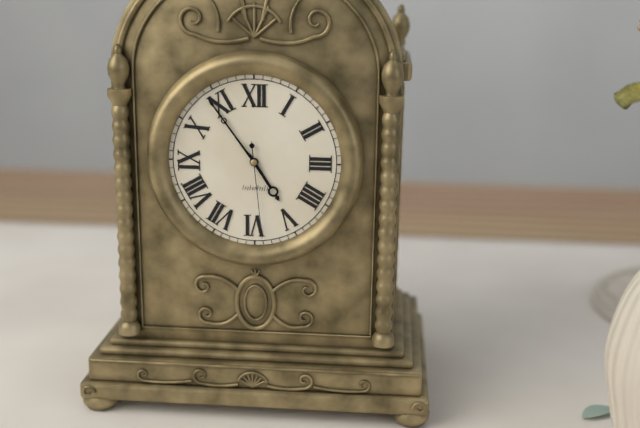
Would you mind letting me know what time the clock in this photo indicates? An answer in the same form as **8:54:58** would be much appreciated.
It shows **4:54:29**
